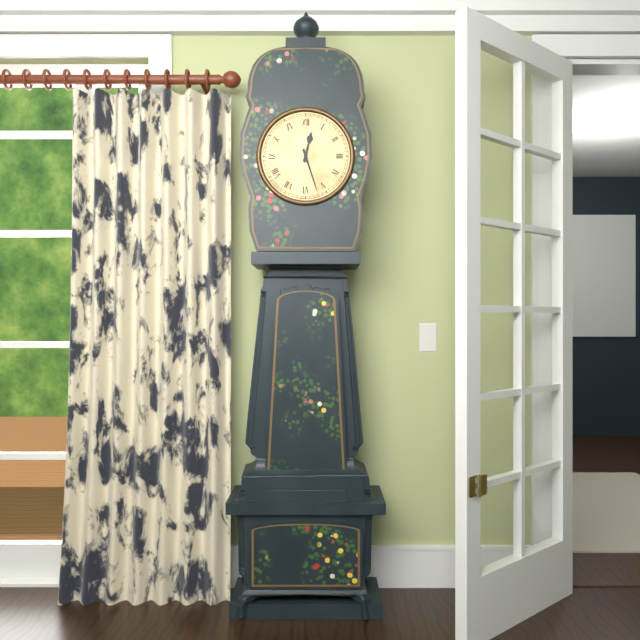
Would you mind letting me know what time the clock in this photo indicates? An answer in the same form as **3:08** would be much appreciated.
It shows **12:27**
